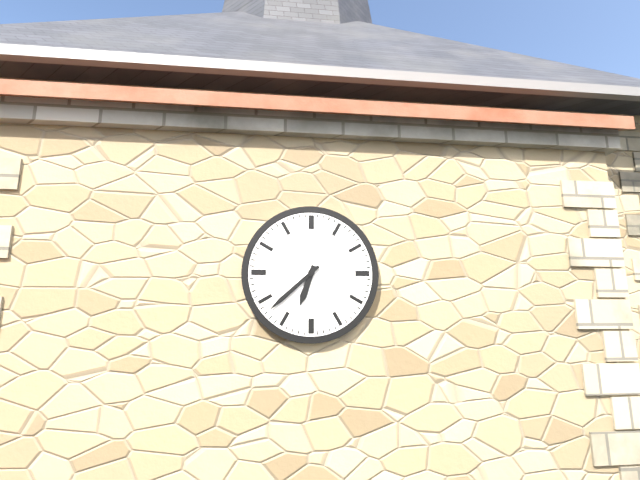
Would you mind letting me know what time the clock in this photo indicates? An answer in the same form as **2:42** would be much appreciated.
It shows **6:38**
